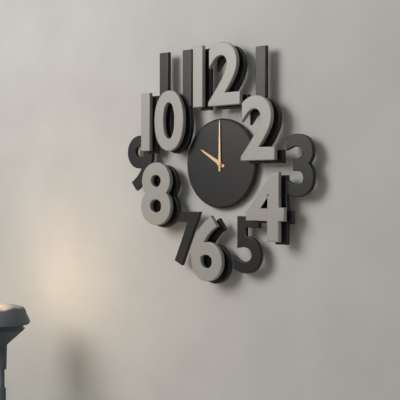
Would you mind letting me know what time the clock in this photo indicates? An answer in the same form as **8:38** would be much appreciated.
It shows **10:00**
